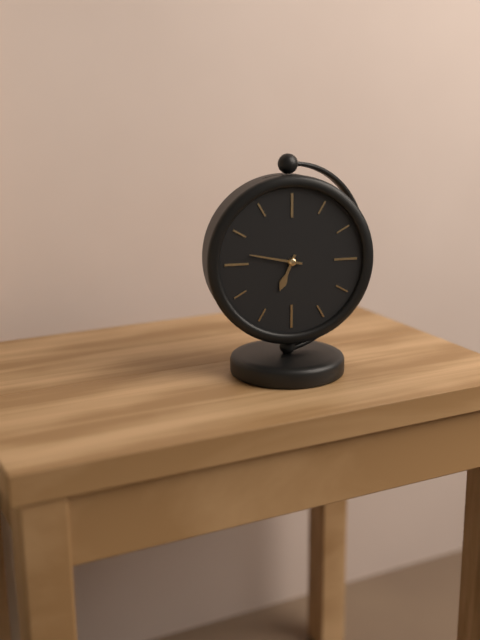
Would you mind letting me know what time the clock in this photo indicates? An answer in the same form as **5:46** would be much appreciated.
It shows **6:47**
